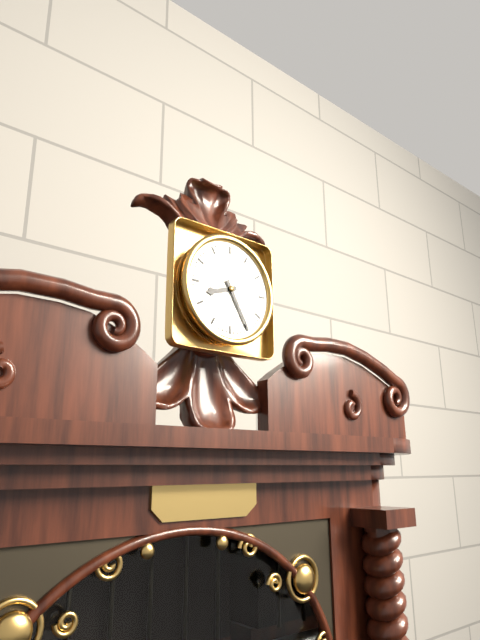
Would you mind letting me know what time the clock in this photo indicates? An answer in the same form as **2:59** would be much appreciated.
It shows **8:25**
